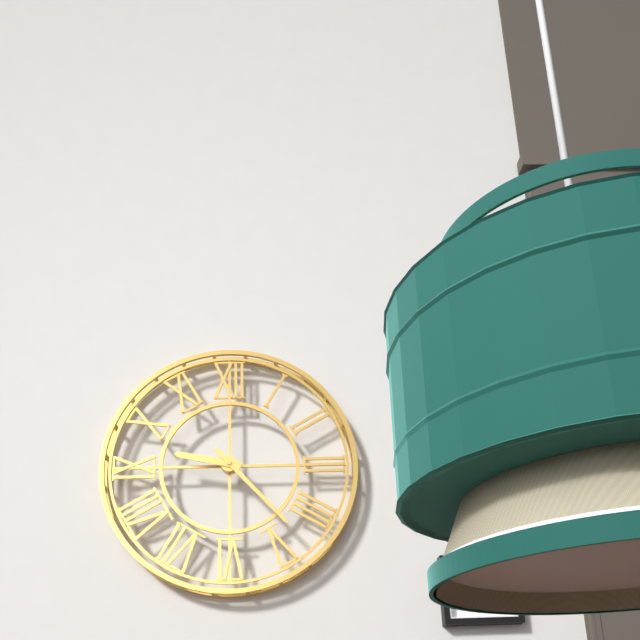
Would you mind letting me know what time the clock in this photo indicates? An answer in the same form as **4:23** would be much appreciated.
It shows **9:23**
